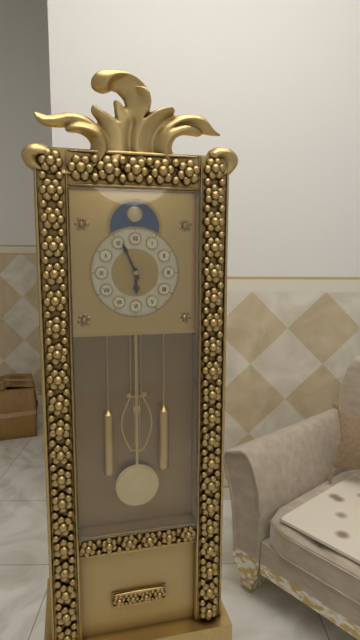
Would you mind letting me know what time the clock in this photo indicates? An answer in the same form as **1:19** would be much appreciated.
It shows **5:56**
